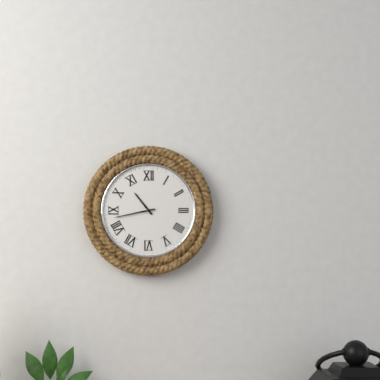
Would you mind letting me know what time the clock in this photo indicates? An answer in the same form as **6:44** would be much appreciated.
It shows **10:43**
